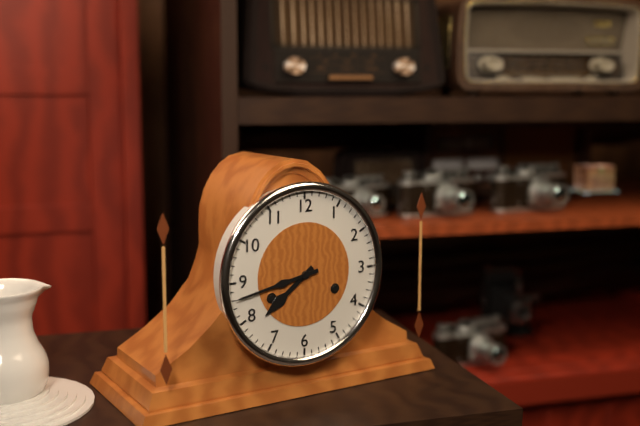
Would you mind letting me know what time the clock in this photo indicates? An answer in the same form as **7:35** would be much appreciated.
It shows **7:43**
